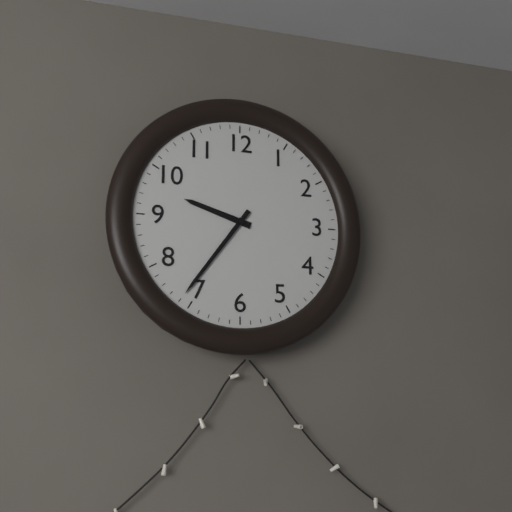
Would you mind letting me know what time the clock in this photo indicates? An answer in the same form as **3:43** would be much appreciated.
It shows **9:36**
